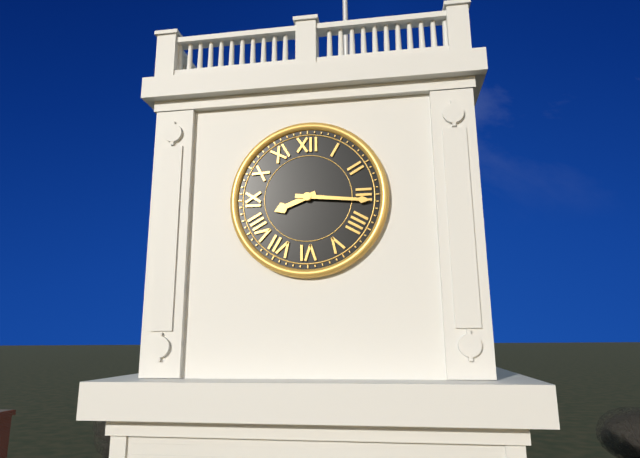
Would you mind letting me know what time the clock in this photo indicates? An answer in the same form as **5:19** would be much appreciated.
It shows **8:16**
